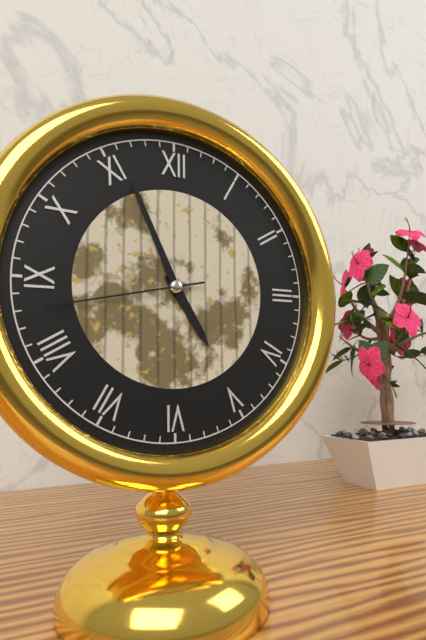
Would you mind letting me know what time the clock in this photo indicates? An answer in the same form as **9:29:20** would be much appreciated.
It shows **4:56:43**
